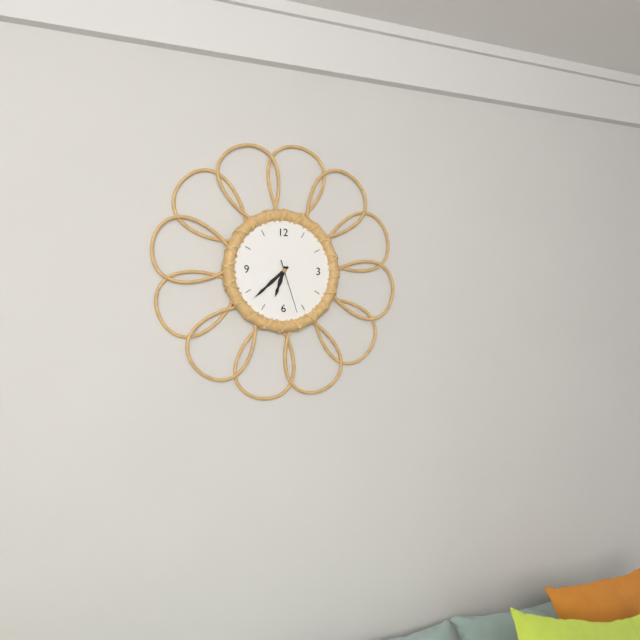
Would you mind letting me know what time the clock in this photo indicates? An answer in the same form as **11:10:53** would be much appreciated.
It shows **6:38:27**
